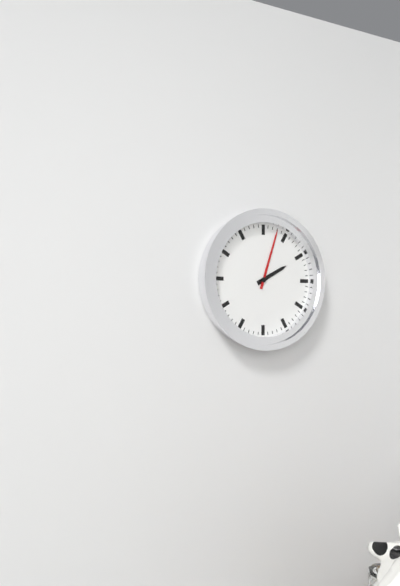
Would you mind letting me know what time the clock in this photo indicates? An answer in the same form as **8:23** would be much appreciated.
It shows **2:03**
